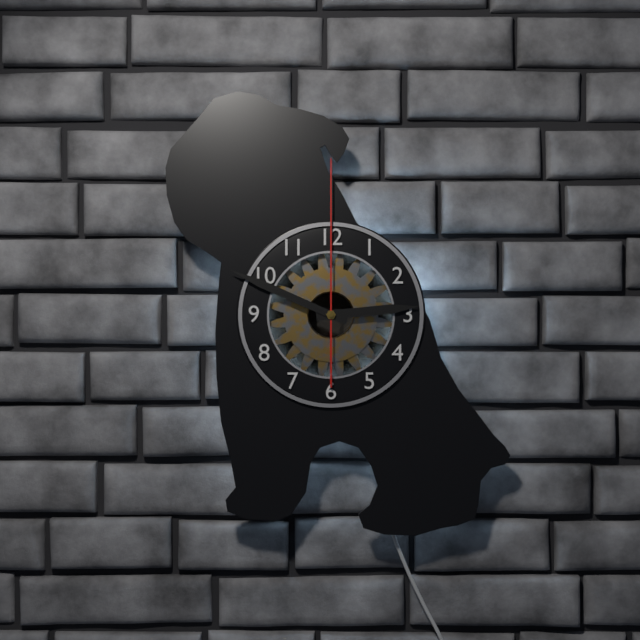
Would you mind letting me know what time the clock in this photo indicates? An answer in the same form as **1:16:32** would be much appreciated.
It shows **2:49:00**
